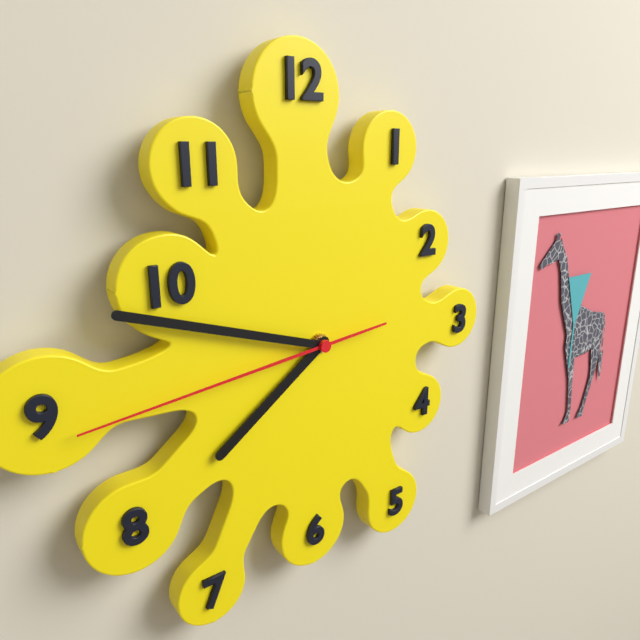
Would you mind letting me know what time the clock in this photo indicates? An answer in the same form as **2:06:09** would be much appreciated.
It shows **7:48:44**
